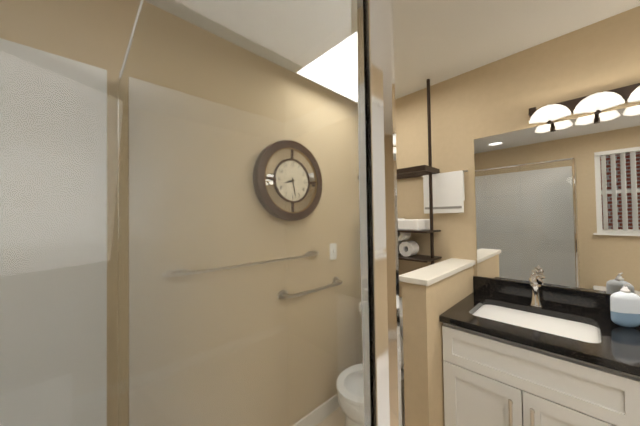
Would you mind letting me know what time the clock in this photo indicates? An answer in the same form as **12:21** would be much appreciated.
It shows **8:28**
